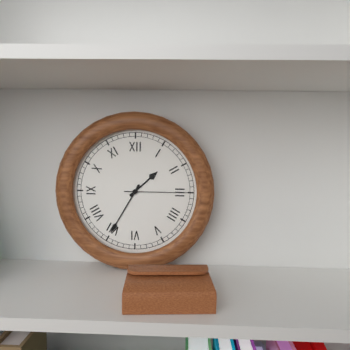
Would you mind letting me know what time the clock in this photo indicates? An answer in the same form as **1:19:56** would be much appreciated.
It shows **1:35:15**
